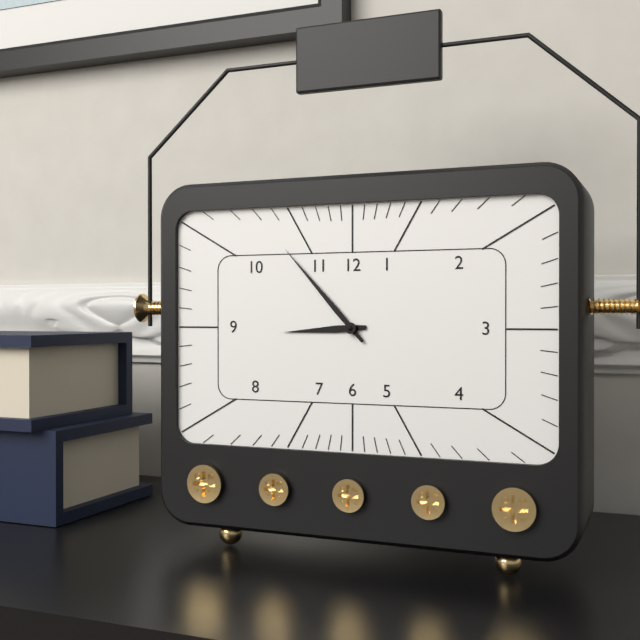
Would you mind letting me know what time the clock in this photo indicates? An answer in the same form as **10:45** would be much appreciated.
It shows **8:53**
